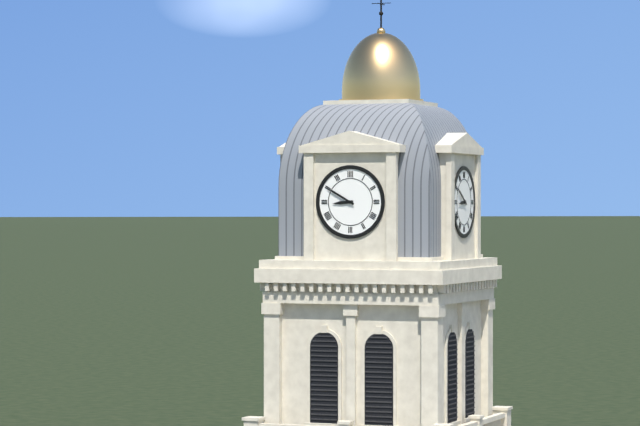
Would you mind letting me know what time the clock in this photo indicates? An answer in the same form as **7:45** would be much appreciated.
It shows **8:50**
